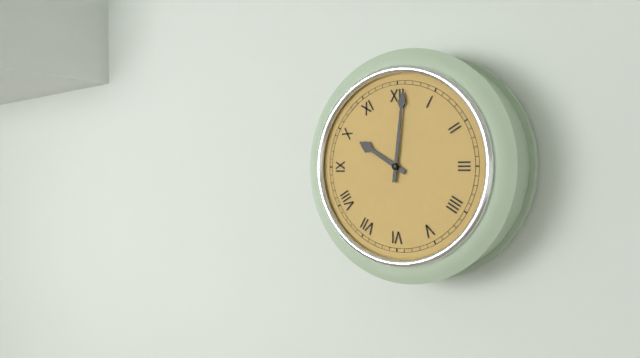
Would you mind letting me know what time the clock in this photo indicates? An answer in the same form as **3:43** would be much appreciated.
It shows **10:01**
